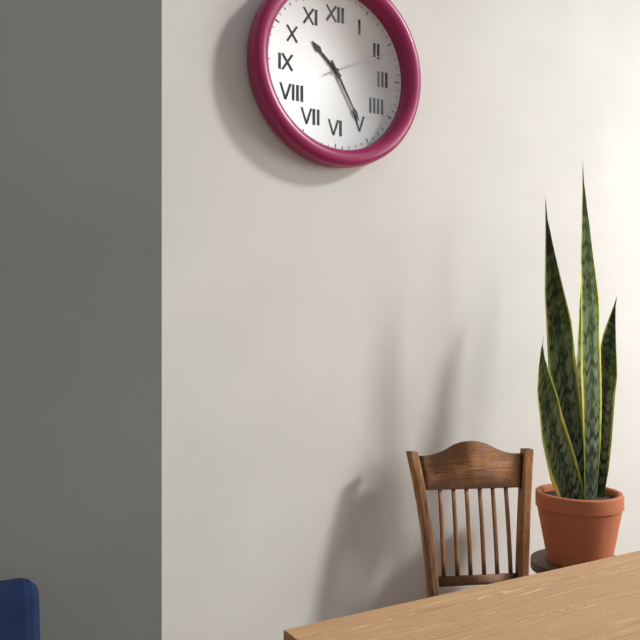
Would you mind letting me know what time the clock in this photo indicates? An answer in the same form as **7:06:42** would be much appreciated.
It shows **10:25:11**
